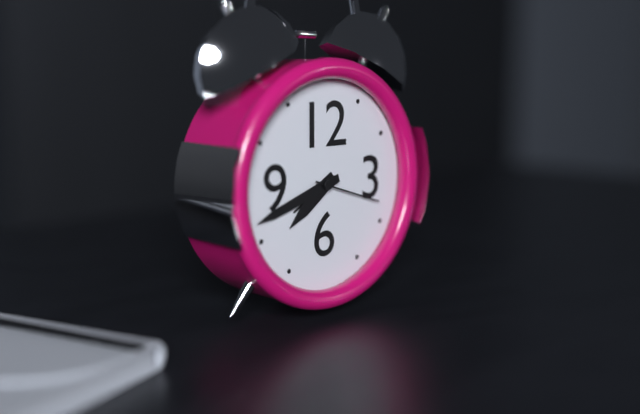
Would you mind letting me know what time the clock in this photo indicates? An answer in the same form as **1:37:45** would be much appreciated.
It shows **7:42:18**
